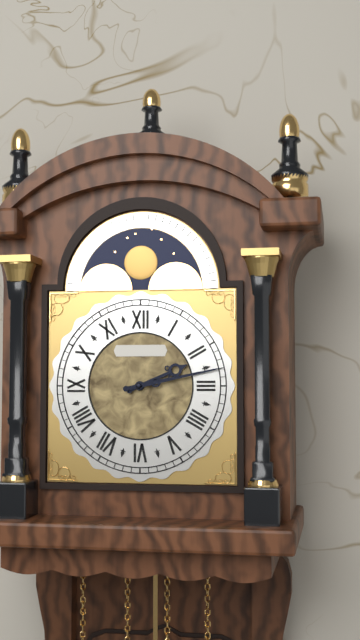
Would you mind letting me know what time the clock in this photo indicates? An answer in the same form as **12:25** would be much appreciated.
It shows **2:13**
